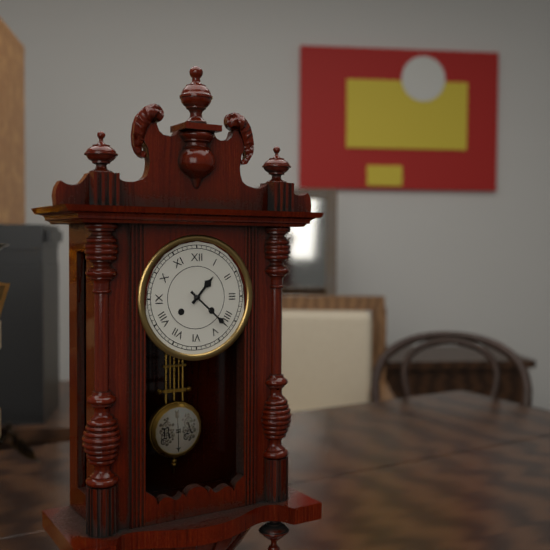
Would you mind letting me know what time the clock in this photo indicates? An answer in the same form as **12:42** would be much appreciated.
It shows **1:22**
